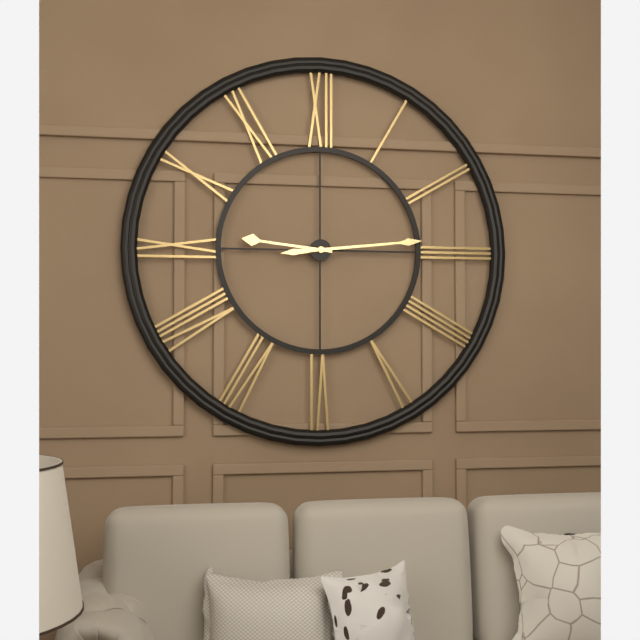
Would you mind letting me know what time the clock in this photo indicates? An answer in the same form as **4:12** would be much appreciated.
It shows **9:14**
